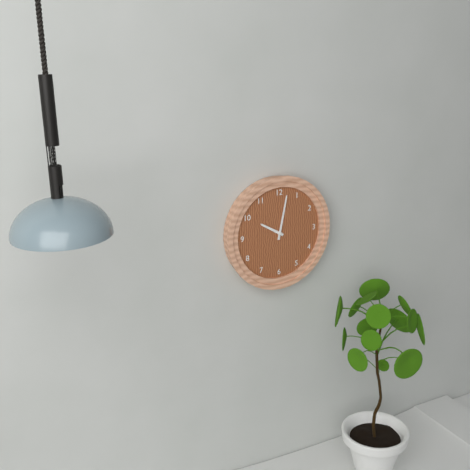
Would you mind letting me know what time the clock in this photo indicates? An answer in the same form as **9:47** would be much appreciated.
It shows **10:02**
